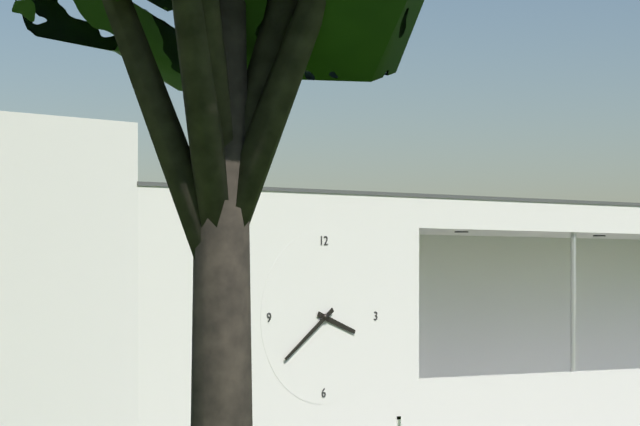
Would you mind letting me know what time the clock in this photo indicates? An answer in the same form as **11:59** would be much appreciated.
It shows **3:39**
